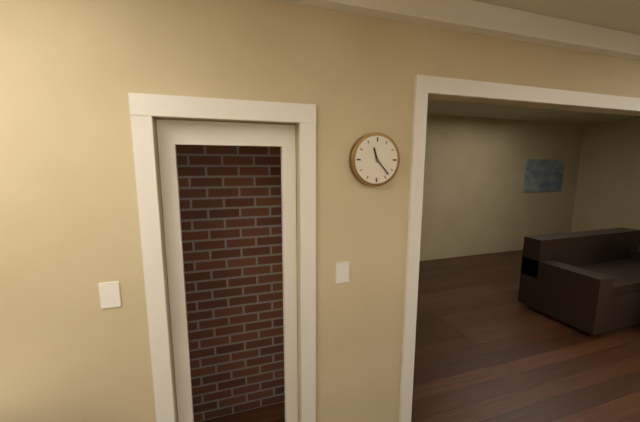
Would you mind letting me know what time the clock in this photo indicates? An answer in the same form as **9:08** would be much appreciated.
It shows **11:23**
